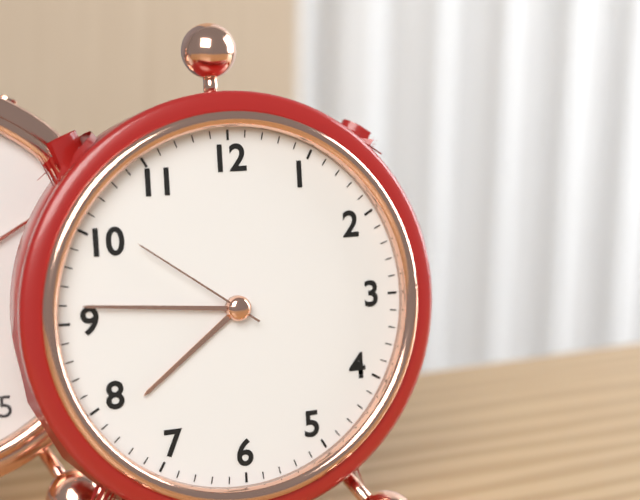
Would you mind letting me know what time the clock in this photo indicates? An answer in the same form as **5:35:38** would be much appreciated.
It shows **7:46:51**
